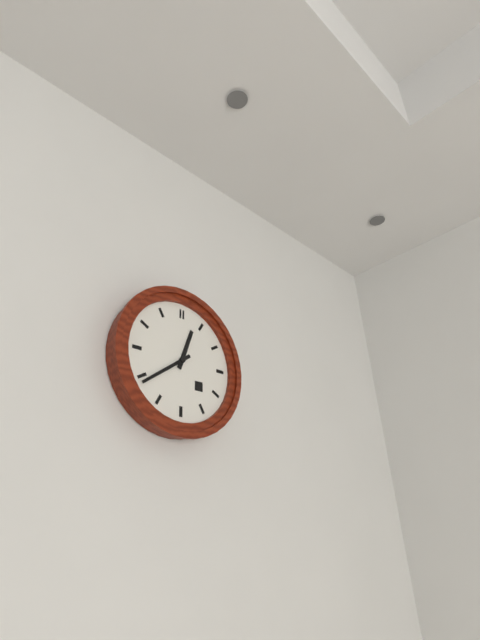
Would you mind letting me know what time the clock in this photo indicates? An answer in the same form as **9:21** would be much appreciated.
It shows **12:39**
